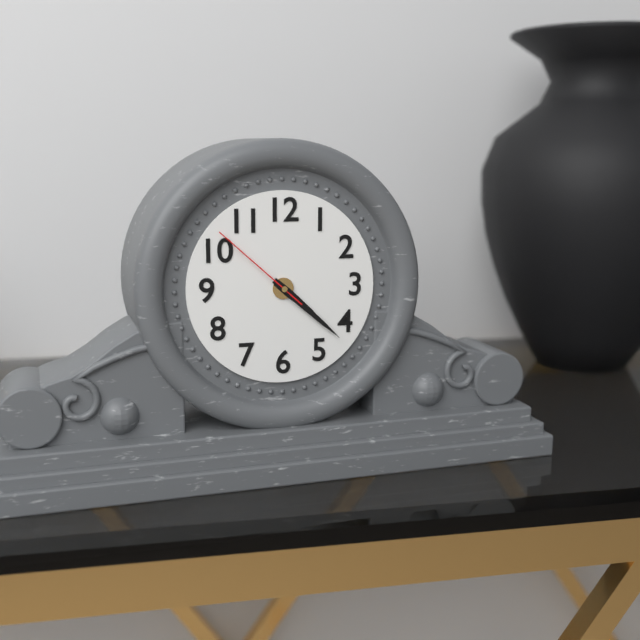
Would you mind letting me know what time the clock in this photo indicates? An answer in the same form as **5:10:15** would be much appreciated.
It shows **4:22:52**
